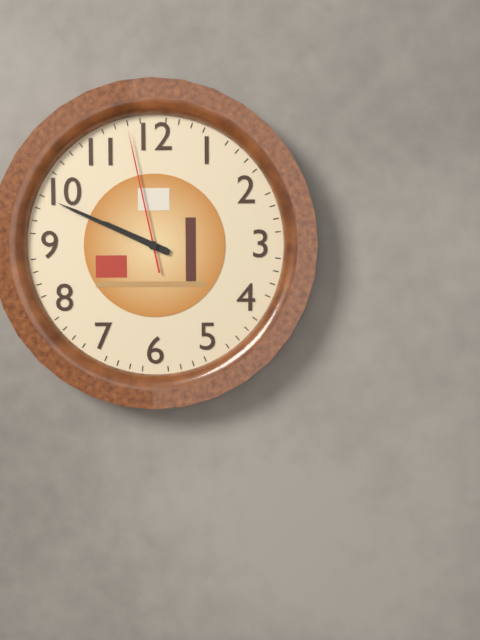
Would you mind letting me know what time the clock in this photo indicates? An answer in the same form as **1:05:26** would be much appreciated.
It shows **9:49:58**
